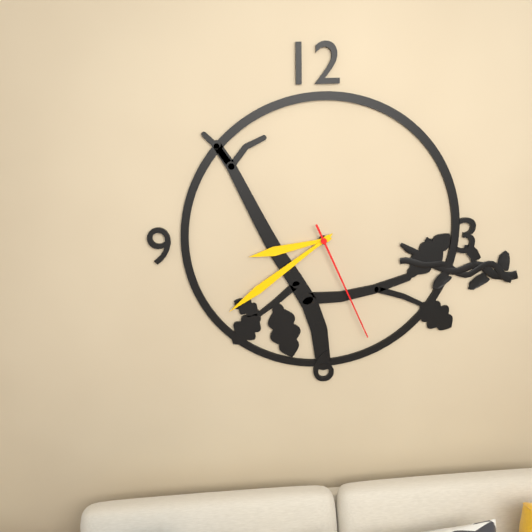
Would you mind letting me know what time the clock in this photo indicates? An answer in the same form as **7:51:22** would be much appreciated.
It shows **8:39:26**
